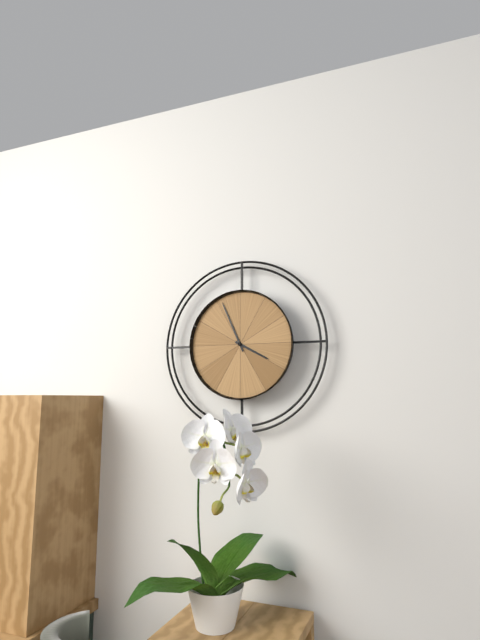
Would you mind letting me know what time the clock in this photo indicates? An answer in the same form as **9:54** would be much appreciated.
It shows **3:56**
